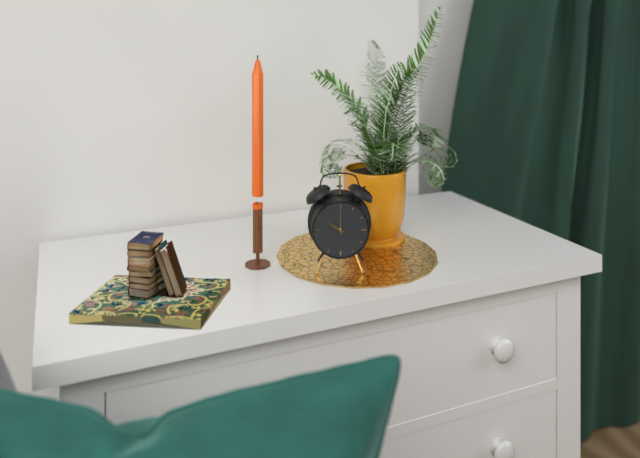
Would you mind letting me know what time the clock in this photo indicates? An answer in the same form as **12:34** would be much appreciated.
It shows **10:00**
